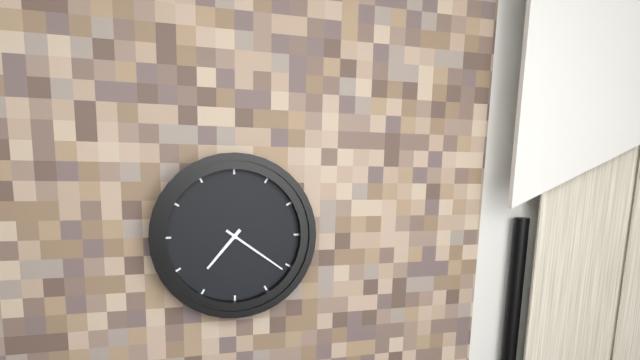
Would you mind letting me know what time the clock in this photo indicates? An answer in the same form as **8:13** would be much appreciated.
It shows **7:21**
